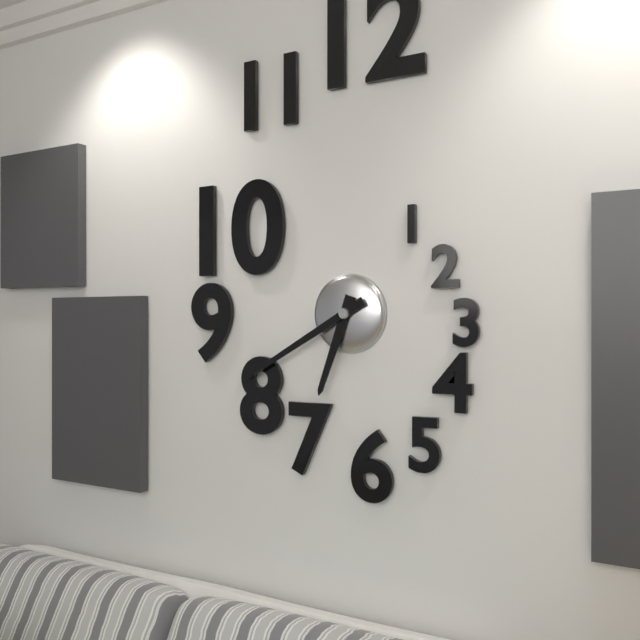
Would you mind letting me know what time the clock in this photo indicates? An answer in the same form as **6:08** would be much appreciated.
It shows **6:40**
